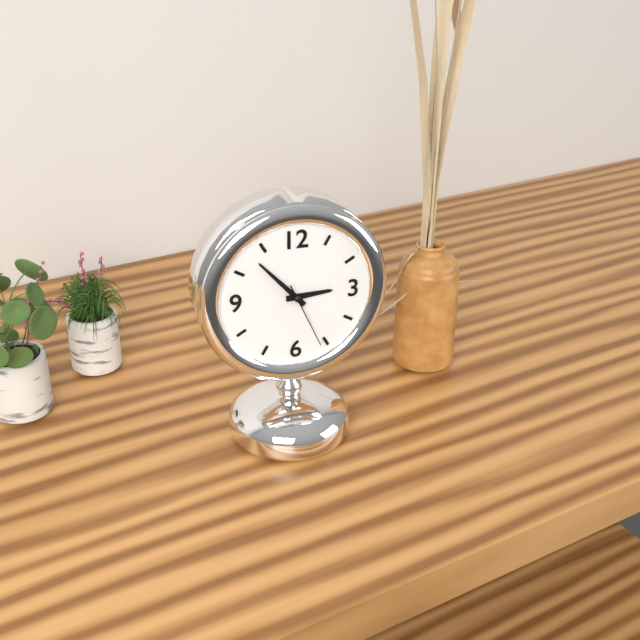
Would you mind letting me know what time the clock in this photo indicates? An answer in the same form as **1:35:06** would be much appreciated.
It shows **2:53:26**
